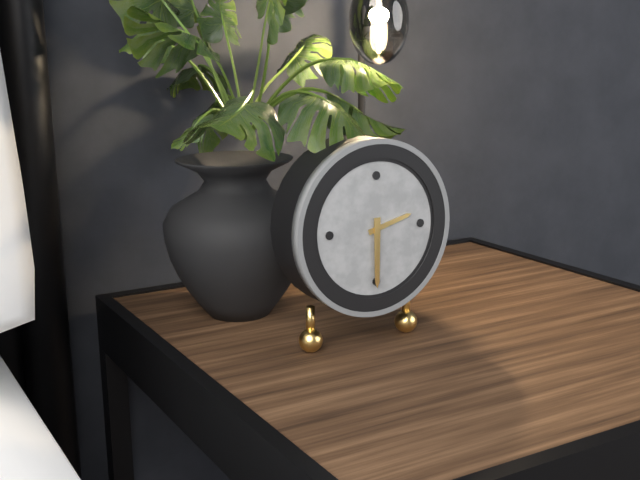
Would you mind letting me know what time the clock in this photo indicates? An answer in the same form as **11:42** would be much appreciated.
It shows **2:30**
